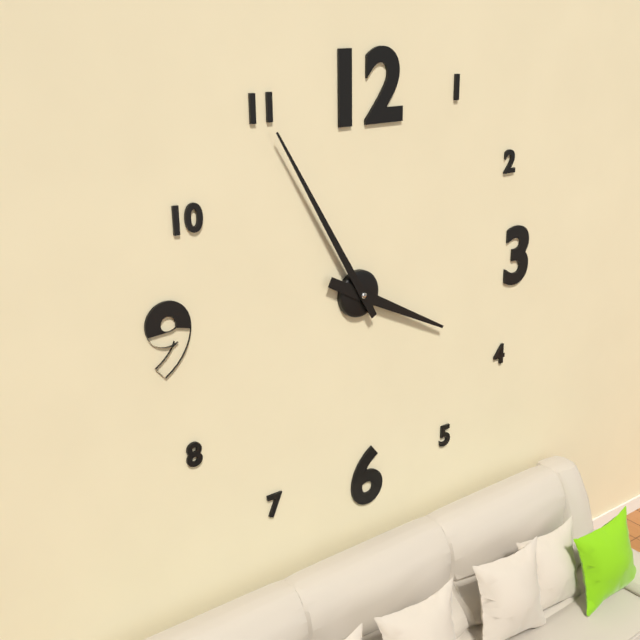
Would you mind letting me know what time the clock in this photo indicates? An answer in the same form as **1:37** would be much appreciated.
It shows **3:55**
